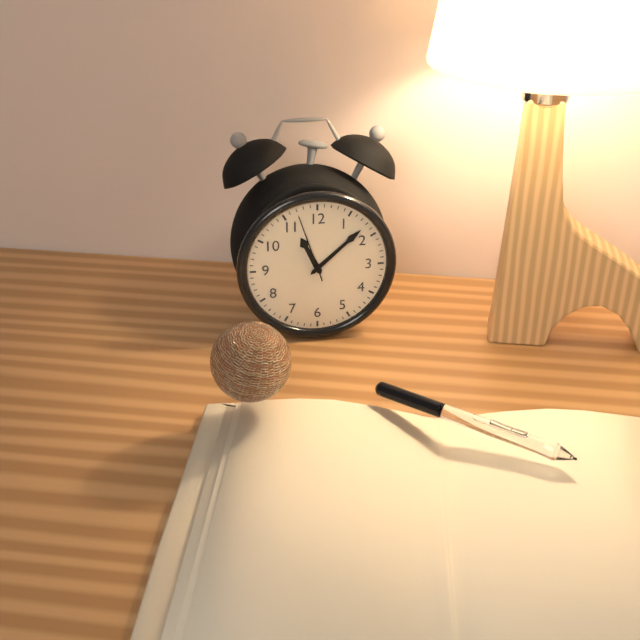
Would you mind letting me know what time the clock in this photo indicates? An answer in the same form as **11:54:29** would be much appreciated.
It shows **11:08:57**
